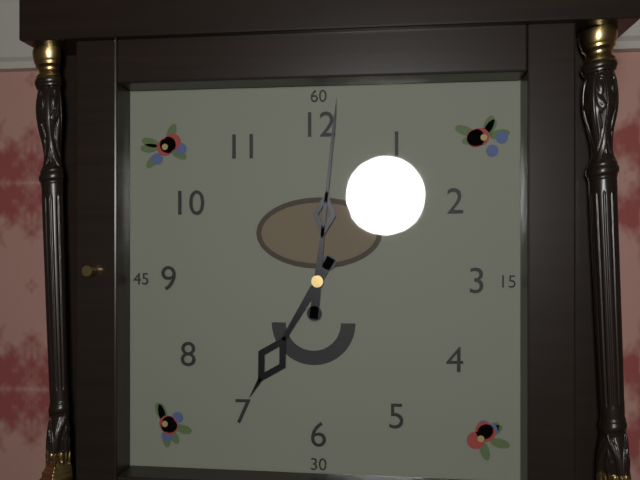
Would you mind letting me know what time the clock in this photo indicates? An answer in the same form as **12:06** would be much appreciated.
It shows **7:01**
